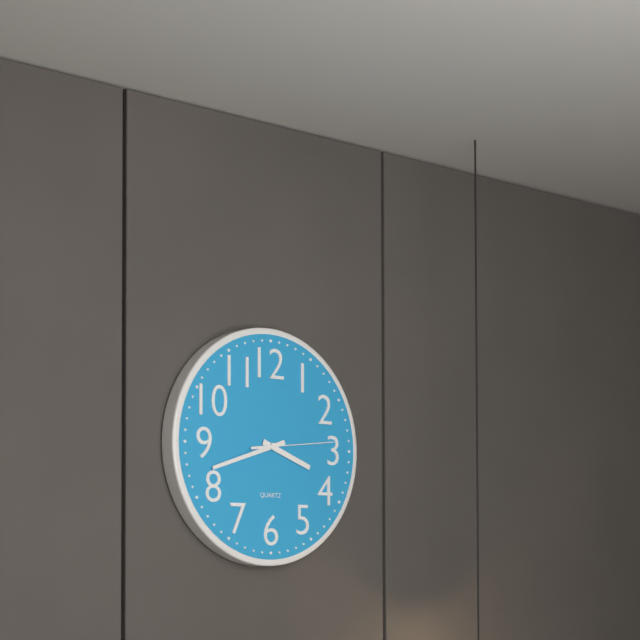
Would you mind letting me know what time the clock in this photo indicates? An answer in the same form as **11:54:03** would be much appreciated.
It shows **3:42:14**
